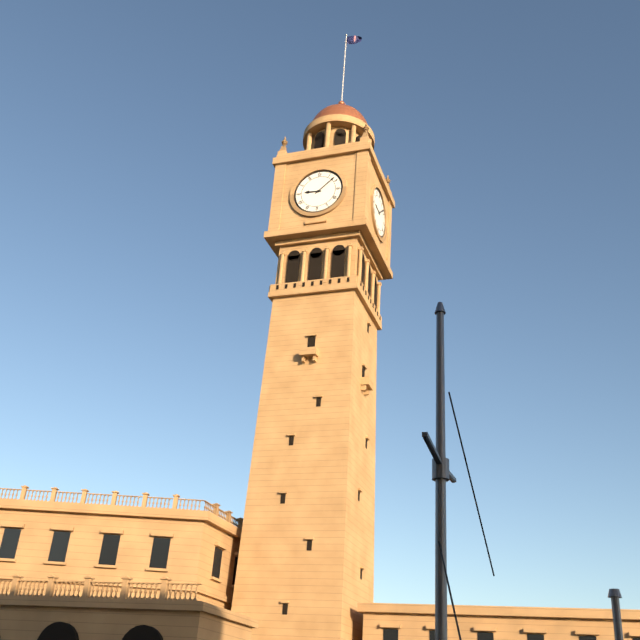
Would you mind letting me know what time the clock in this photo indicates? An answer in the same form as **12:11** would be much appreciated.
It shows **9:08**
